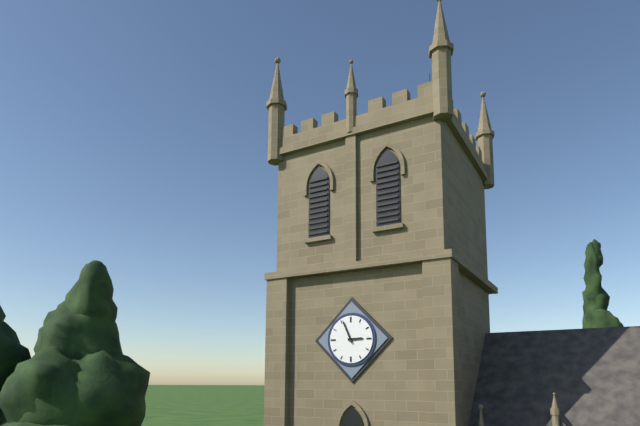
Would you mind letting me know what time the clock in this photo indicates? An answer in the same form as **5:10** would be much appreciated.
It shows **2:56**
